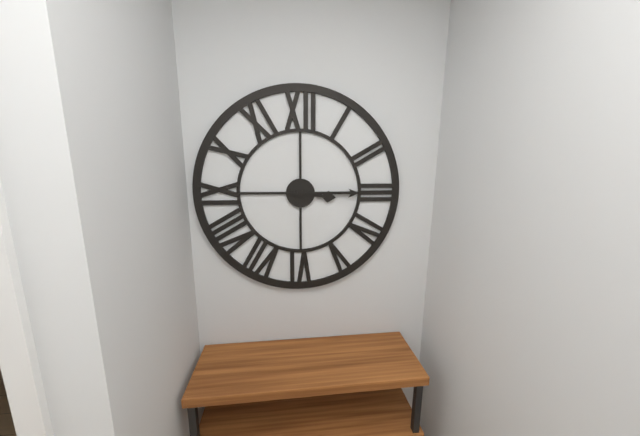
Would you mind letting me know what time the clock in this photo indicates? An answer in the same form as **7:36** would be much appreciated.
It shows **3:15**
